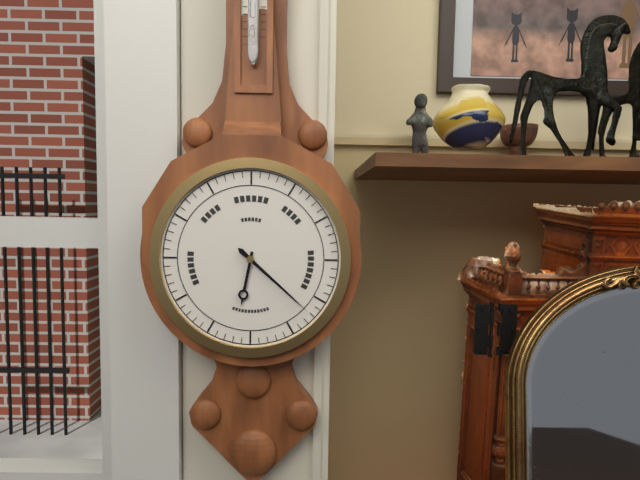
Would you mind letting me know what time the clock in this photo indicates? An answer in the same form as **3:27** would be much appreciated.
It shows **6:22**
